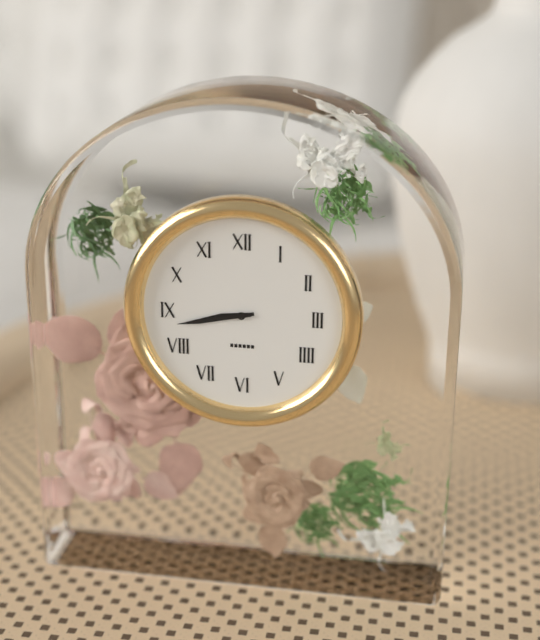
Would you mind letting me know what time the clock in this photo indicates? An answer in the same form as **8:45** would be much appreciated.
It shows **8:43**
